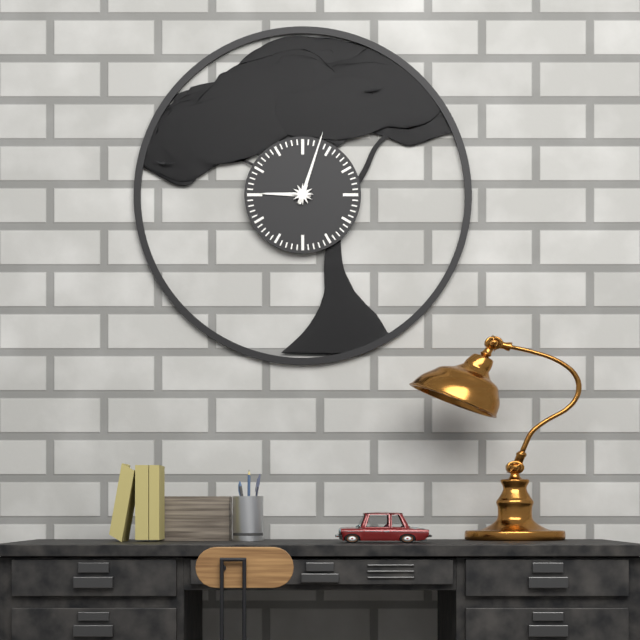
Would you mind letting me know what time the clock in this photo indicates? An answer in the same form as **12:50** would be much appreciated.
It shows **9:03**
